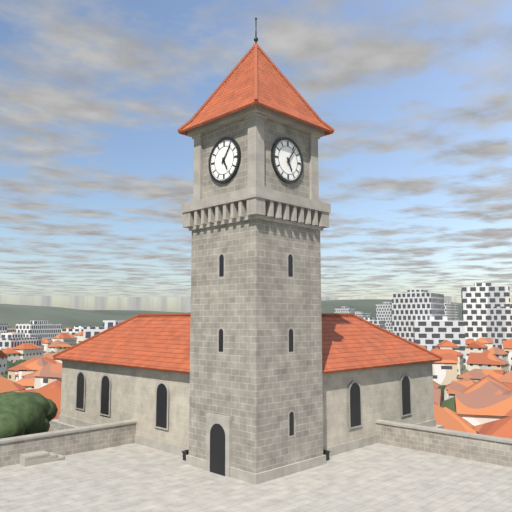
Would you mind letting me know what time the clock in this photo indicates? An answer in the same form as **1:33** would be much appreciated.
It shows **5:06**
